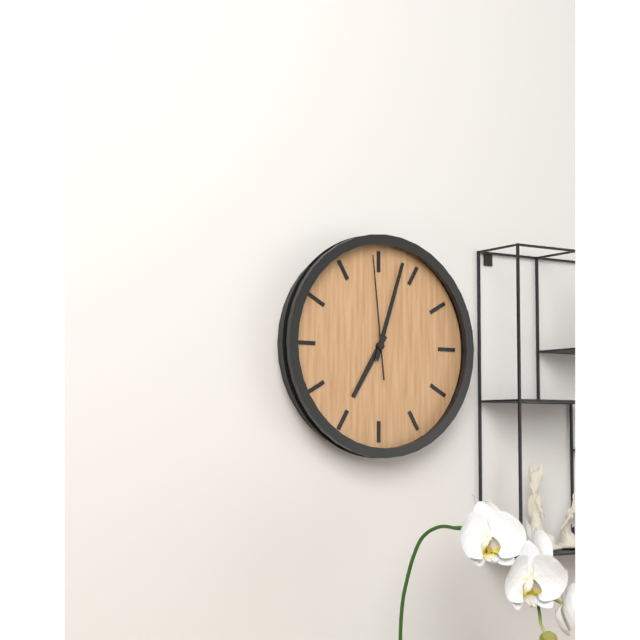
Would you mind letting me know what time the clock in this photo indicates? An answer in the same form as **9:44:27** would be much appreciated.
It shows **7:03:59**
